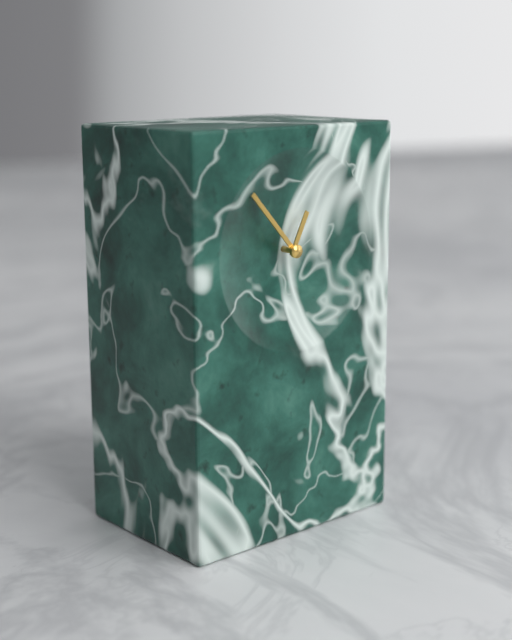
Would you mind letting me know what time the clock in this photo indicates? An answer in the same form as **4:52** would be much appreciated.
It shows **12:53**
